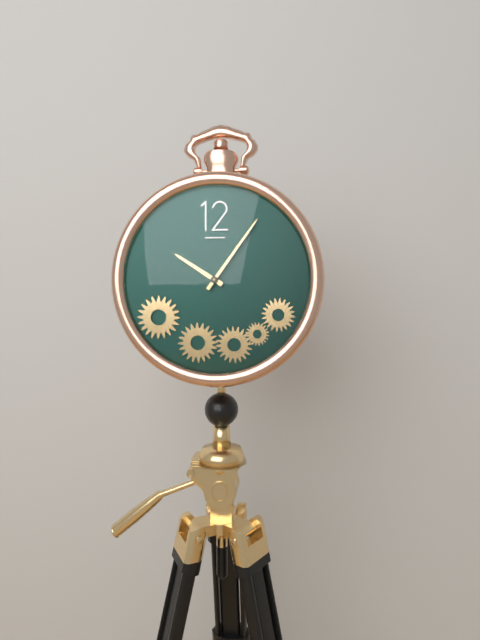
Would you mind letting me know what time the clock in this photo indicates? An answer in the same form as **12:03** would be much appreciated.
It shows **10:06**
